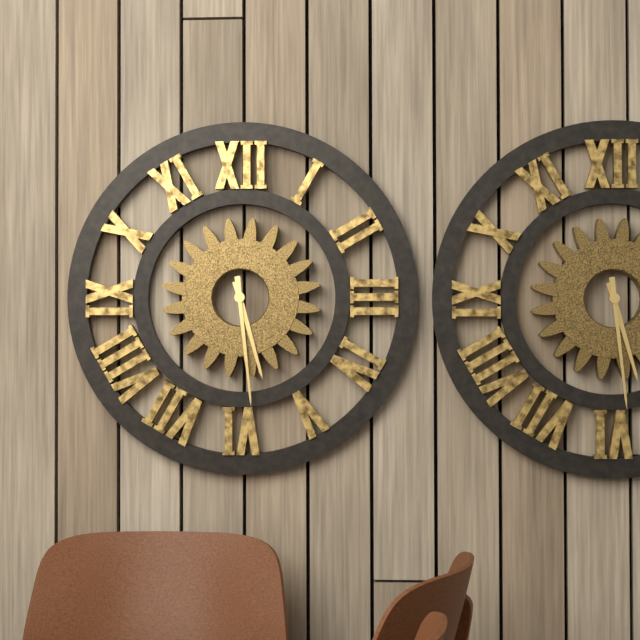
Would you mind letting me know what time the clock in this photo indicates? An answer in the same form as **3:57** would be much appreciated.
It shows **5:29**
